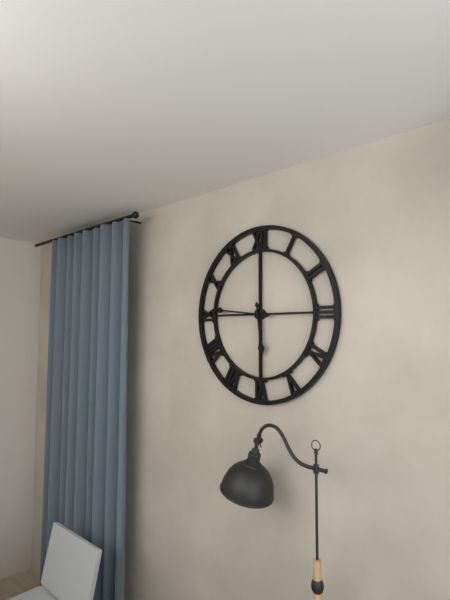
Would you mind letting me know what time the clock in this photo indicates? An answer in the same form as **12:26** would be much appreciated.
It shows **5:46**
